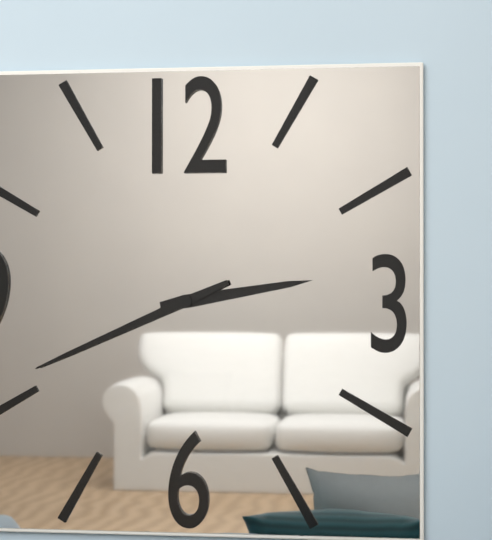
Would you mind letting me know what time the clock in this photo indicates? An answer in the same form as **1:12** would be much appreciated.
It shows **2:41**
